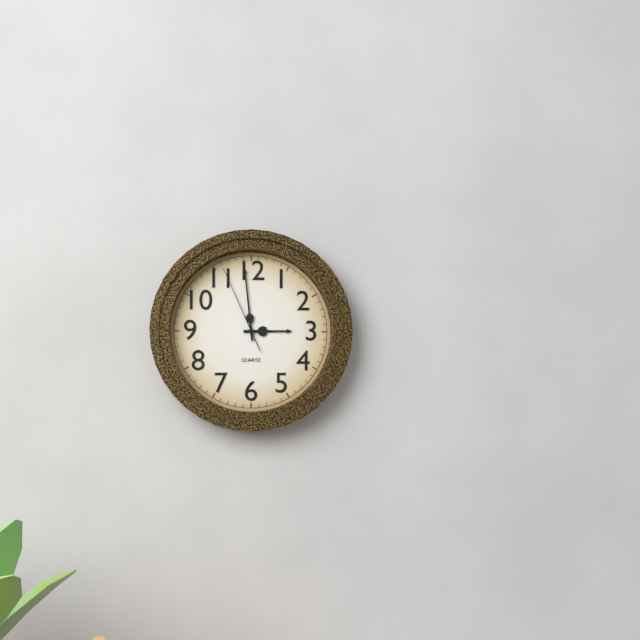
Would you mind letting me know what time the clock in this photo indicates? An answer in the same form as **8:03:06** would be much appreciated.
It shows **2:59:56**
